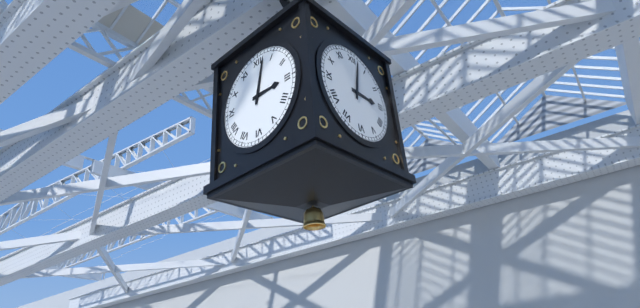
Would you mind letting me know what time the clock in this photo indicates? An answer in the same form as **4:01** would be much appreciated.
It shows **3:02**
